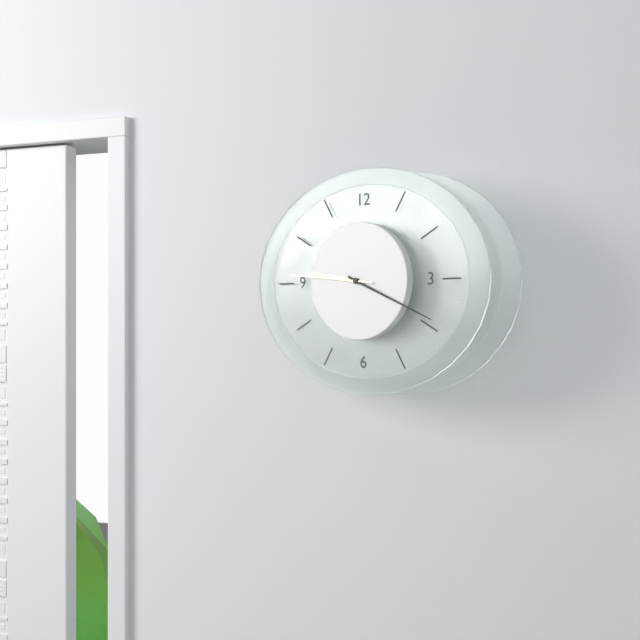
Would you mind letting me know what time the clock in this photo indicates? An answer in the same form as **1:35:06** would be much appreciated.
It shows **9:19:46**
